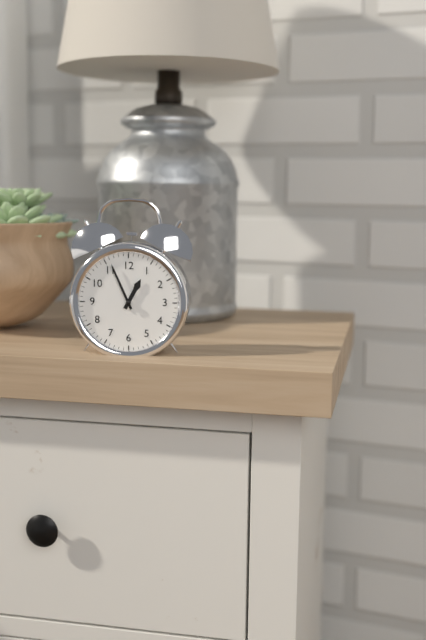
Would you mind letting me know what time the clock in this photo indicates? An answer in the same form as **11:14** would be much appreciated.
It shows **12:56**
